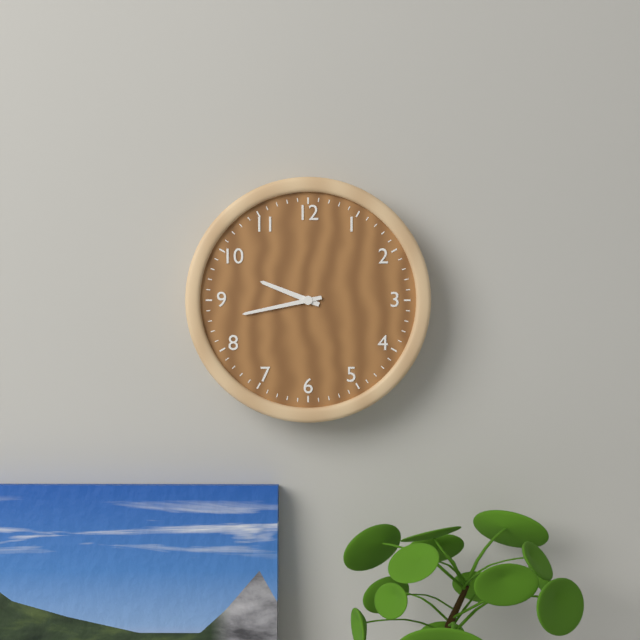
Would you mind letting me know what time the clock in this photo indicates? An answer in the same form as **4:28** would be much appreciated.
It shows **9:43**
